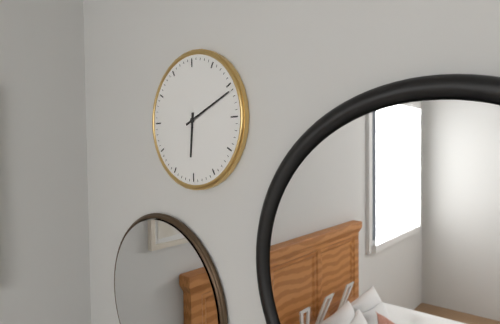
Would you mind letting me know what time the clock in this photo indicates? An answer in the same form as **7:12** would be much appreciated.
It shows **6:11**
